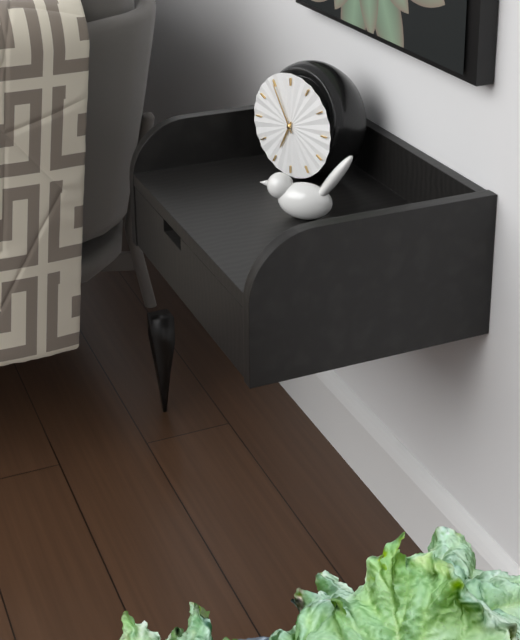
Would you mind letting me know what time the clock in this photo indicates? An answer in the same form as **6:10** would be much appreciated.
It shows **6:55**
